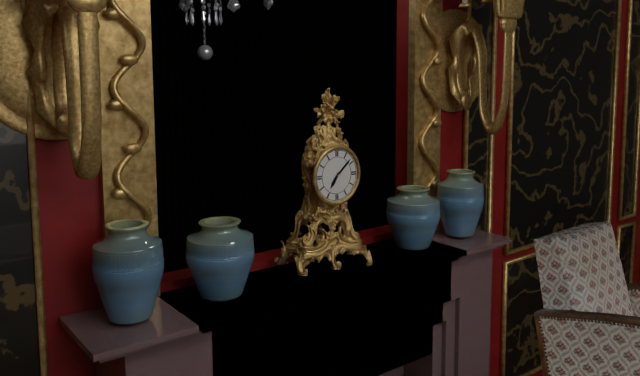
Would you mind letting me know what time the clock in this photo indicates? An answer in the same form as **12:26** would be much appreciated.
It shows **7:08**
